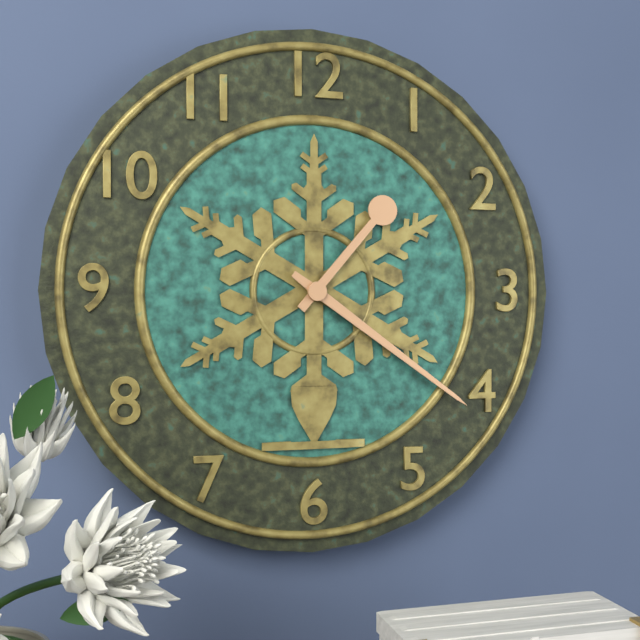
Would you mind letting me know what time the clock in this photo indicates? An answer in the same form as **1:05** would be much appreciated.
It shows **1:21**
